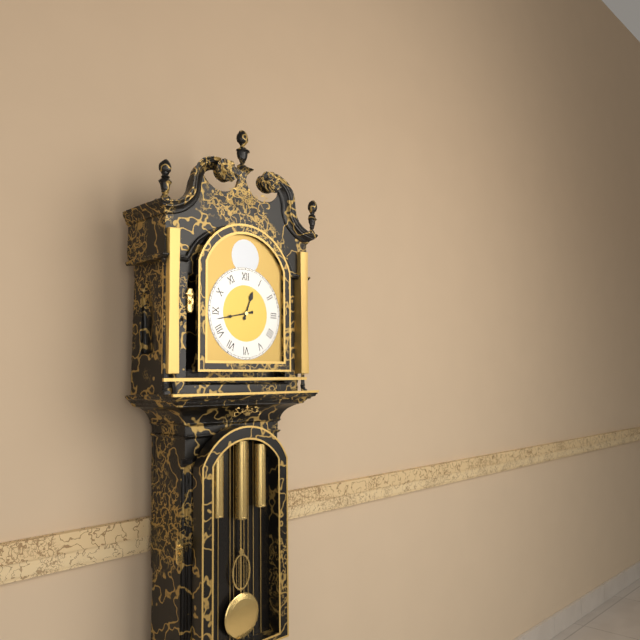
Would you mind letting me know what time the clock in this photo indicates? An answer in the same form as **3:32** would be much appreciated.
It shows **12:43**
